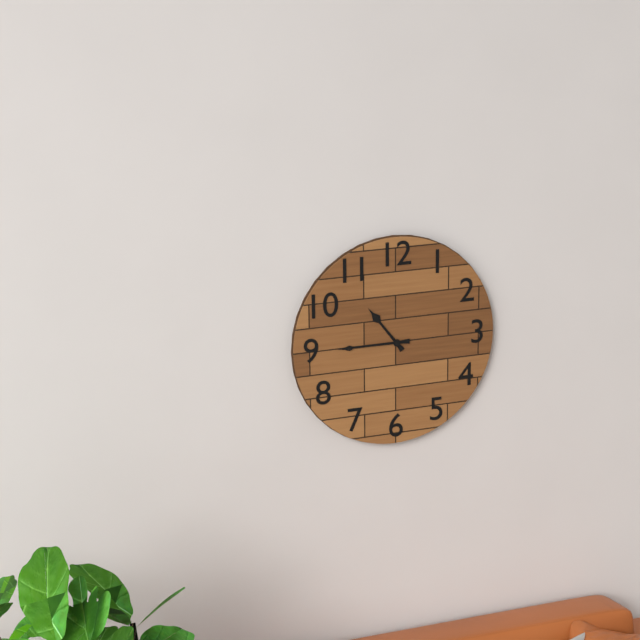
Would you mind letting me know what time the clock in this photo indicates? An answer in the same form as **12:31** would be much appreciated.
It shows **10:45**
